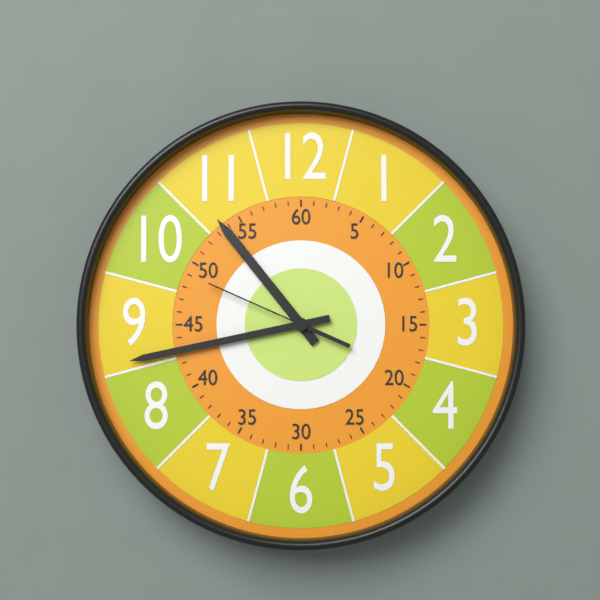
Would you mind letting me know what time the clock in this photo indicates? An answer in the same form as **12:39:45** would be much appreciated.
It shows **10:43:49**
